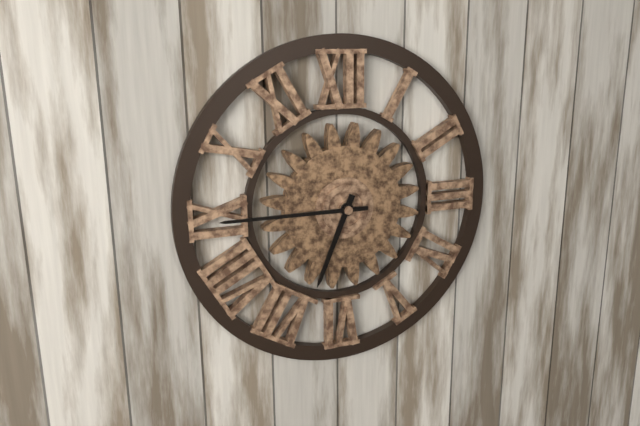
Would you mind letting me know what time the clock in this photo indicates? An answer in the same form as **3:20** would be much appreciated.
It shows **6:45**
